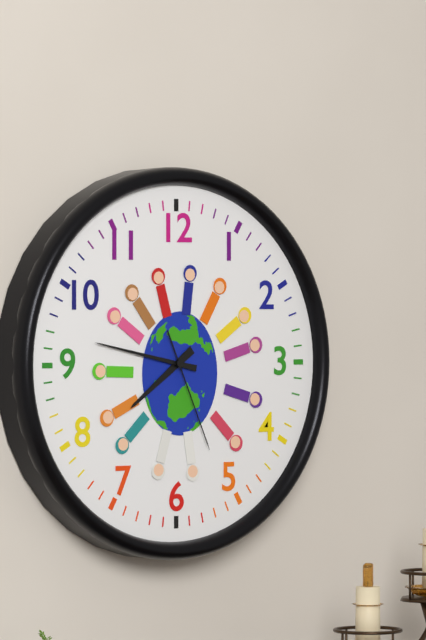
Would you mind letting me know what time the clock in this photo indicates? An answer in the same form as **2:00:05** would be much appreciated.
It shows **7:47:26**
